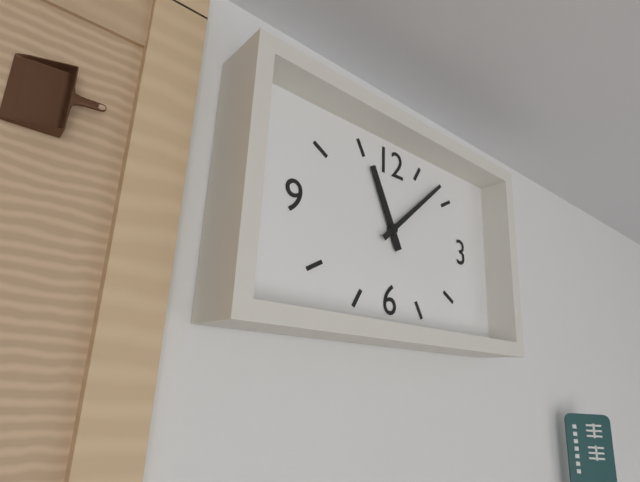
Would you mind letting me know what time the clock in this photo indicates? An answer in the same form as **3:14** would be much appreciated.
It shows **11:08**
